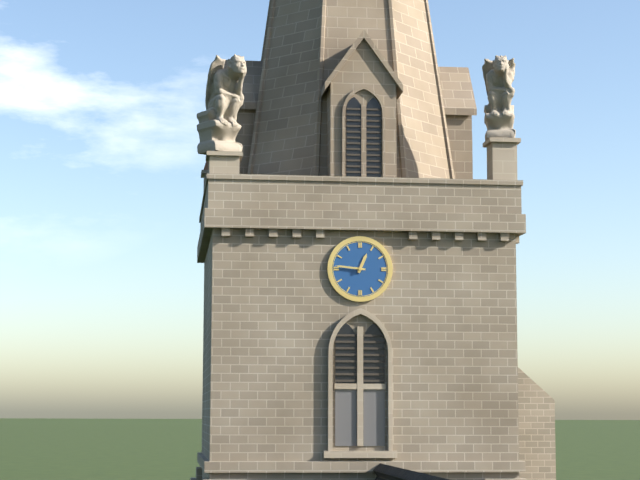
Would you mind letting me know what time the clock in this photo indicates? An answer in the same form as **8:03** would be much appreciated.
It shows **12:46**
